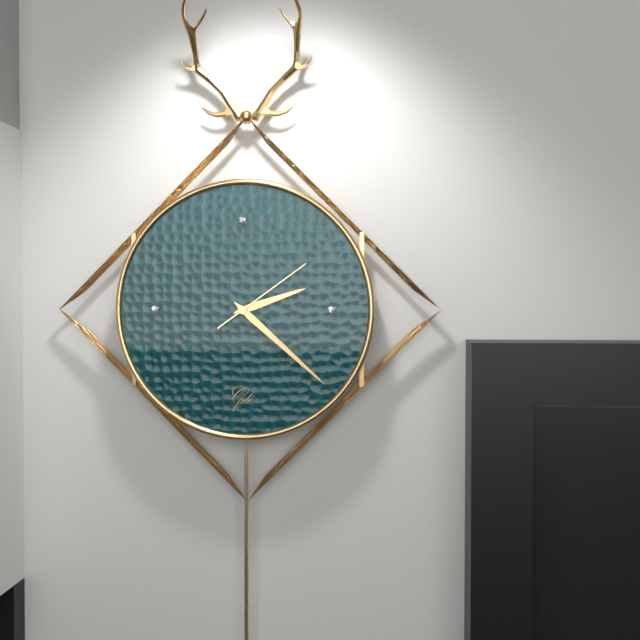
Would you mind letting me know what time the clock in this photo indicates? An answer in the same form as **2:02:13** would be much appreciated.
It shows **2:22:09**
